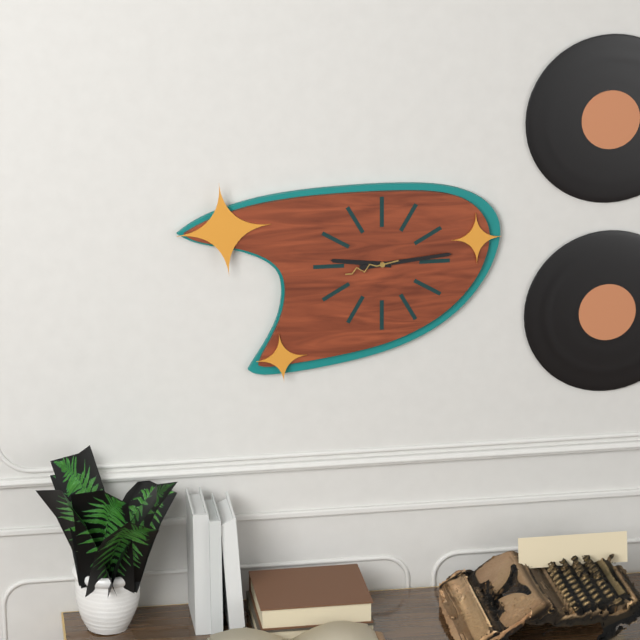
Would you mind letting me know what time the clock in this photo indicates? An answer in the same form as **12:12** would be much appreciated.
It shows **9:14**
